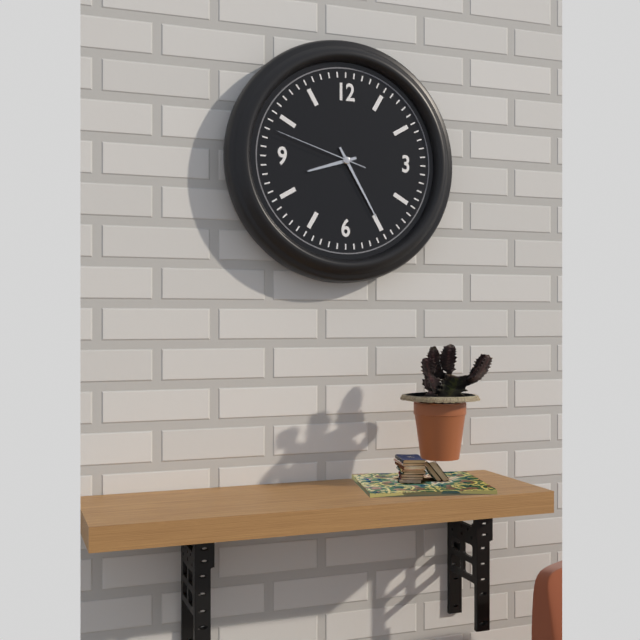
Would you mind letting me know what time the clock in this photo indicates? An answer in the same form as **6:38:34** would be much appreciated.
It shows **8:25:48**
